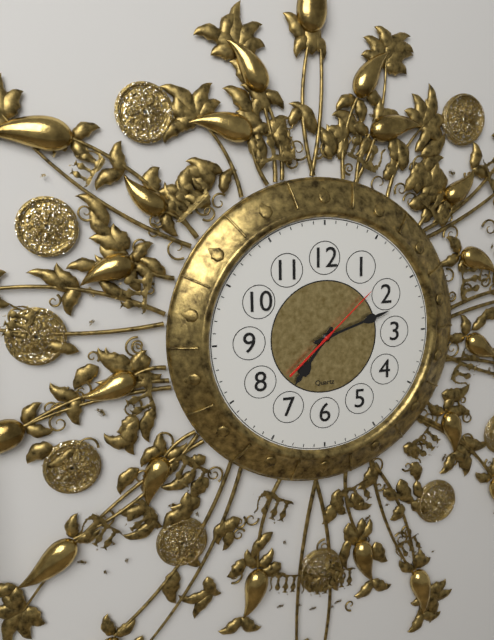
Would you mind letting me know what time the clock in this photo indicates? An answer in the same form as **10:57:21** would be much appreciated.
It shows **7:12:08**
